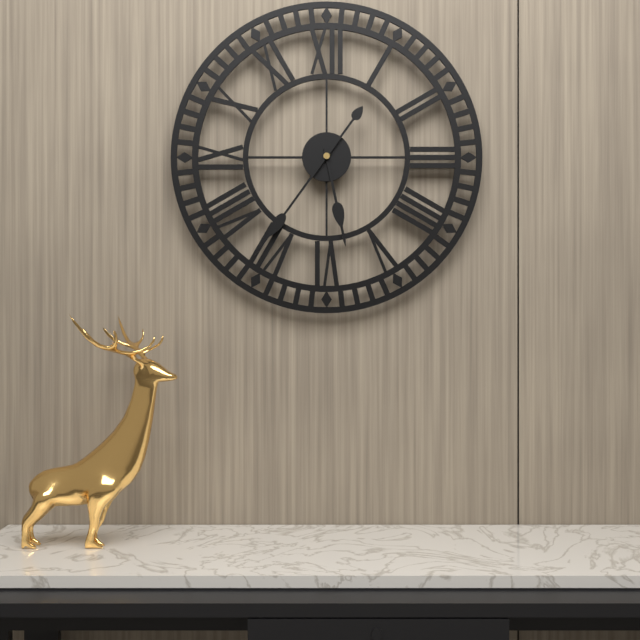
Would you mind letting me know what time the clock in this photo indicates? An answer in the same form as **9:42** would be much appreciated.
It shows **5:36**
